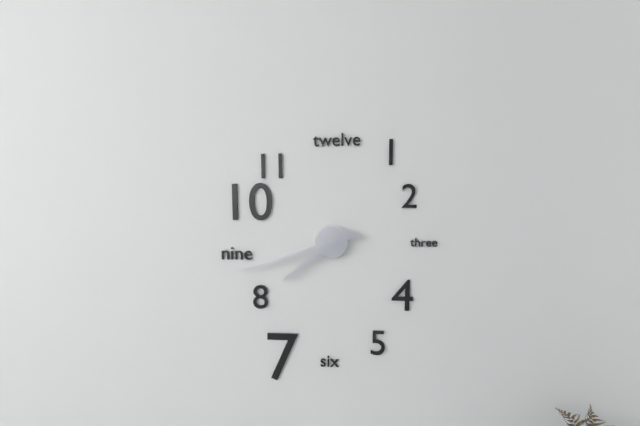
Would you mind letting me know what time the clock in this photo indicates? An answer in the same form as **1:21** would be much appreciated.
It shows **7:42**
